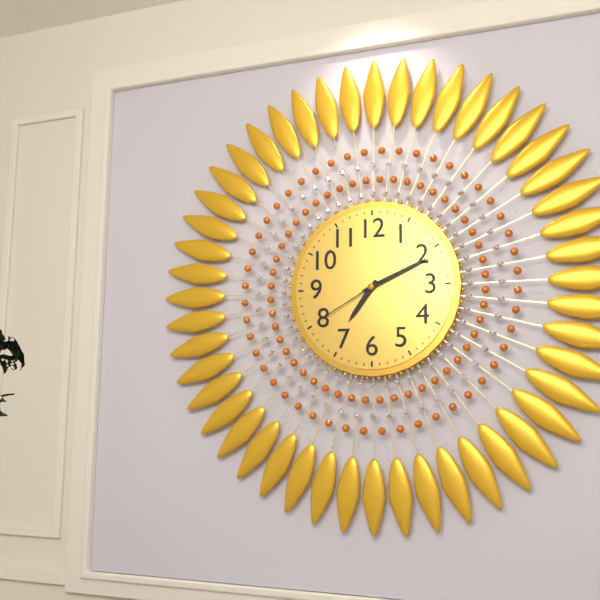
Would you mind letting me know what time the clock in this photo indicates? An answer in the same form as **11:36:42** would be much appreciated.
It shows **7:11:40**
